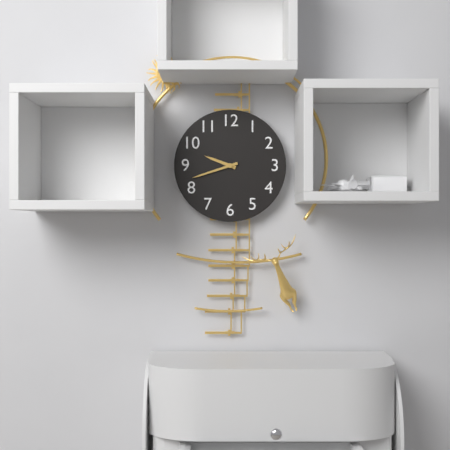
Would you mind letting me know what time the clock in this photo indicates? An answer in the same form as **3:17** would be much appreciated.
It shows **9:42**
